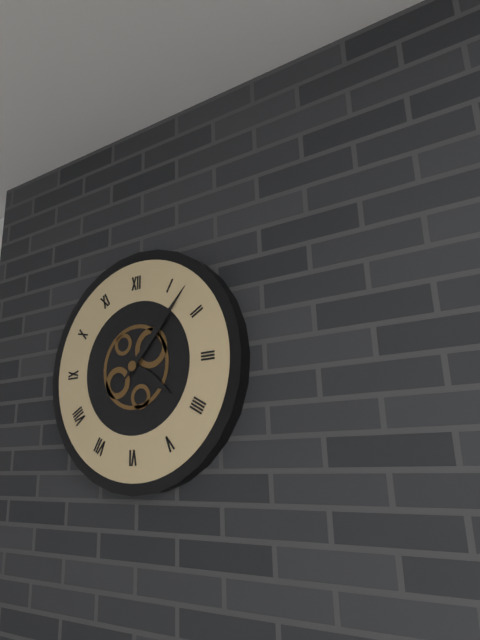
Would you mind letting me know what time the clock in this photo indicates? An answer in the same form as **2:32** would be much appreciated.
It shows **4:07**
